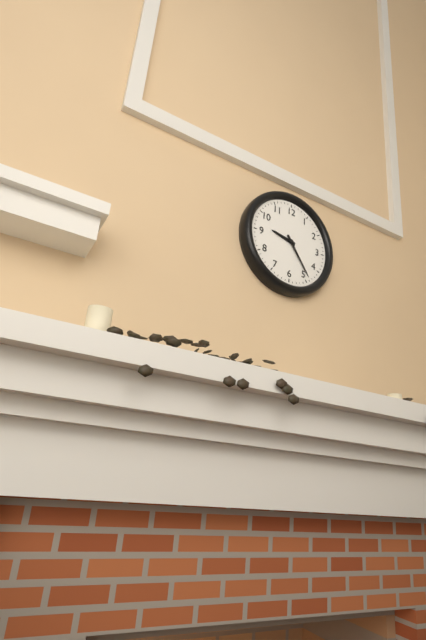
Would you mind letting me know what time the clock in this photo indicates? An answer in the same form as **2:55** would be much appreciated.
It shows **9:24**
